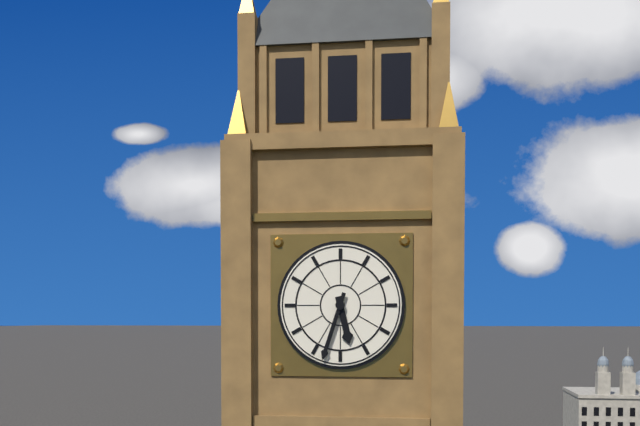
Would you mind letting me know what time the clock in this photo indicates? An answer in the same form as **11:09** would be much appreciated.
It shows **5:33**
